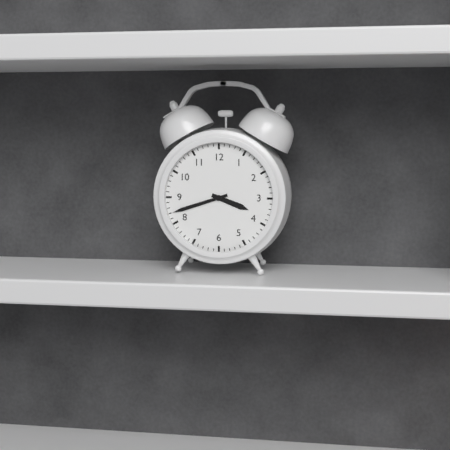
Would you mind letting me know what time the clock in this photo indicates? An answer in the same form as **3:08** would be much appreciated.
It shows **3:42**
